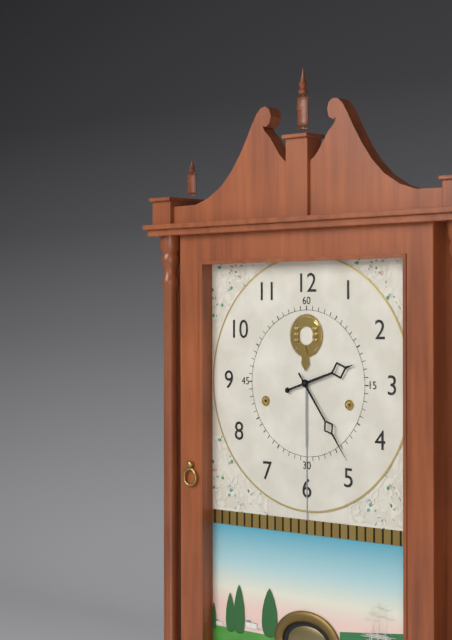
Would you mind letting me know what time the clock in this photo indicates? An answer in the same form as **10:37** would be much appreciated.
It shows **2:24**
